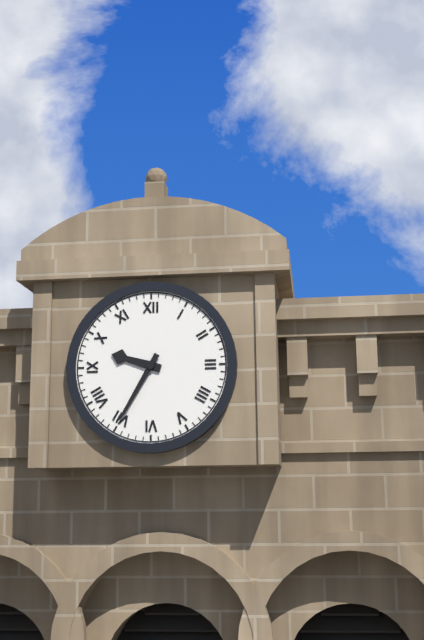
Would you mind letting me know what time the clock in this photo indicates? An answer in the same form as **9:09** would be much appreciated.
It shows **9:35**
